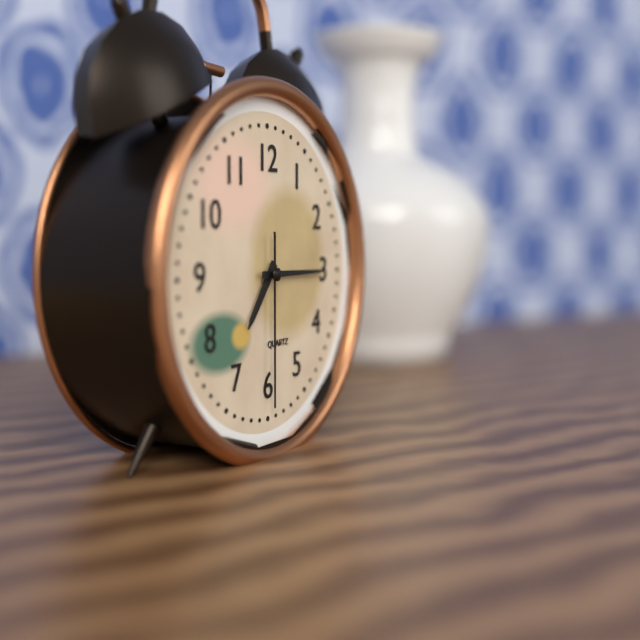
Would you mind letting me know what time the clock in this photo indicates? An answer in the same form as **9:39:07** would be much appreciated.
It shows **7:15:30**
